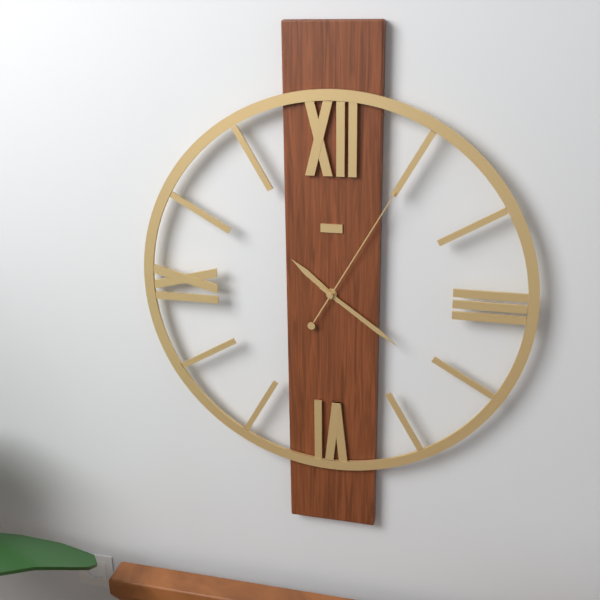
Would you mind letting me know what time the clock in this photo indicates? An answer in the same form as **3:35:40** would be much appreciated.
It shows **10:21:05**
